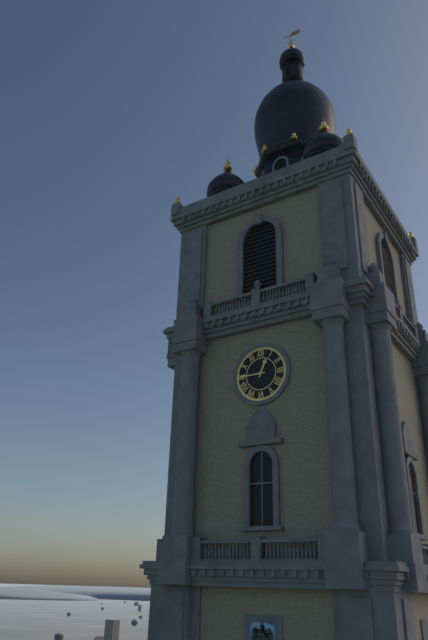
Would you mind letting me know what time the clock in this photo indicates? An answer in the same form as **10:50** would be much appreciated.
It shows **12:45**
